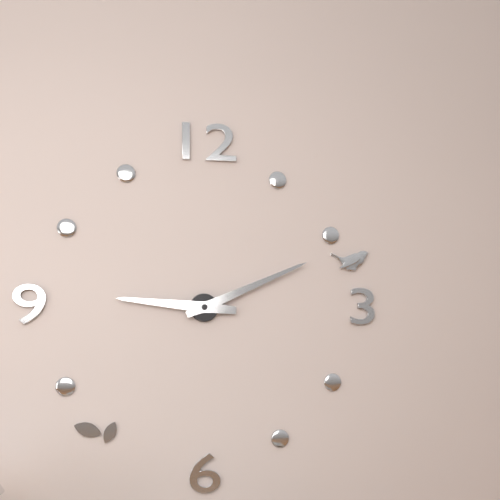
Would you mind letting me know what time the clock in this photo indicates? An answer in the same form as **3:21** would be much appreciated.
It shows **9:11**
